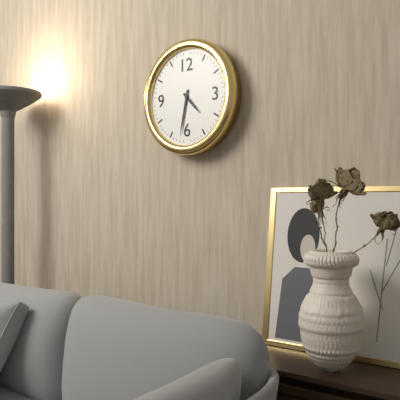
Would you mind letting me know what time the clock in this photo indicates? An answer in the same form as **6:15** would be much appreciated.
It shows **4:32**
